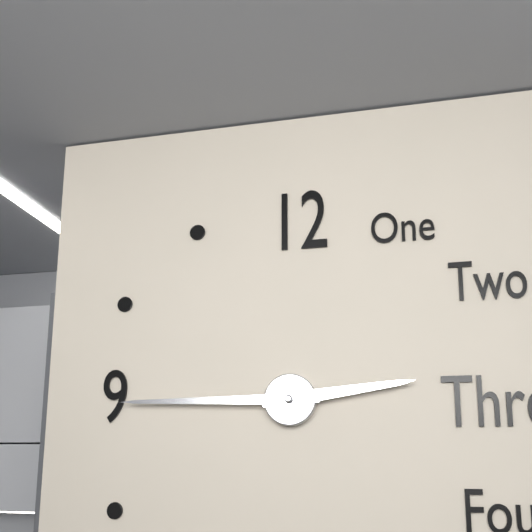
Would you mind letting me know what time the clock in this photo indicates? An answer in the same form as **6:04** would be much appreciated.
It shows **2:45**
